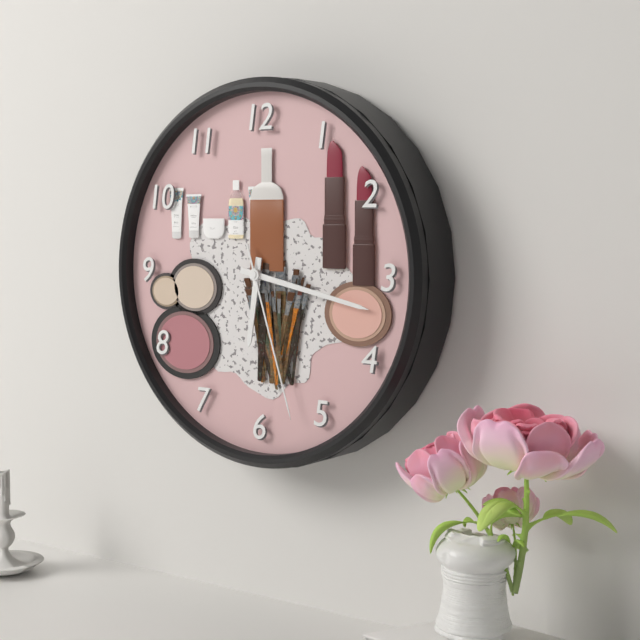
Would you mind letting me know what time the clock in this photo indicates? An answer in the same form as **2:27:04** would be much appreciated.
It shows **6:17:27**
